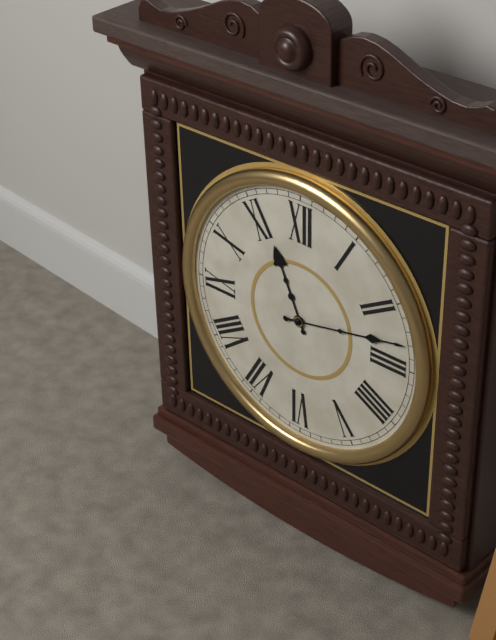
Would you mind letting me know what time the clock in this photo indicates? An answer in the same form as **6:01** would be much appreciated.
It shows **11:13**
